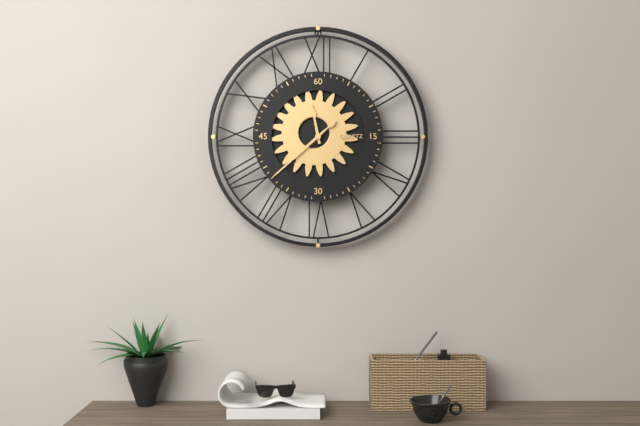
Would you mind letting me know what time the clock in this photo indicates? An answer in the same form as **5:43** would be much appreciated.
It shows **11:38**
